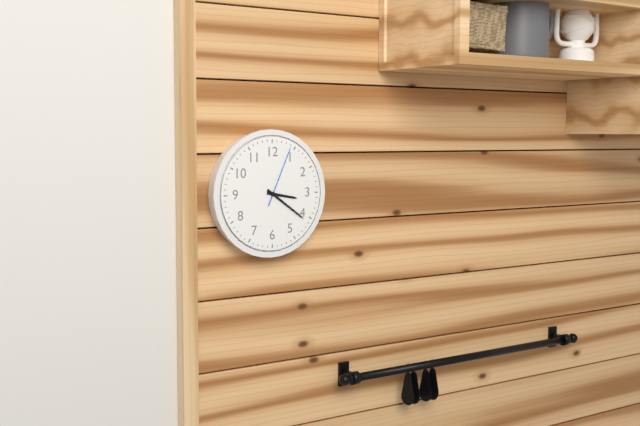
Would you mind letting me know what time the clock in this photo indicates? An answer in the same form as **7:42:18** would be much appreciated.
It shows **3:21:04**
